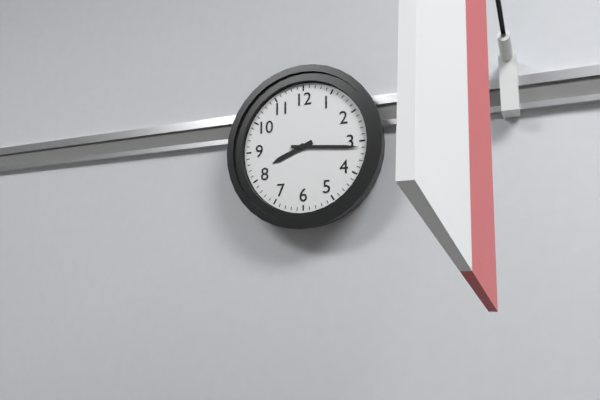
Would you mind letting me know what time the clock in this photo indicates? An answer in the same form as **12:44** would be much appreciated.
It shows **8:16**
